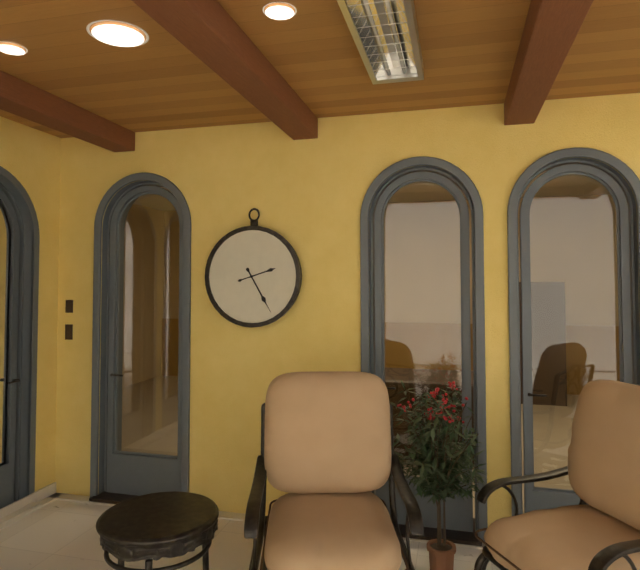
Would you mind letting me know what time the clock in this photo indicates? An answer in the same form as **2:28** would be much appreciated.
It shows **2:25**
